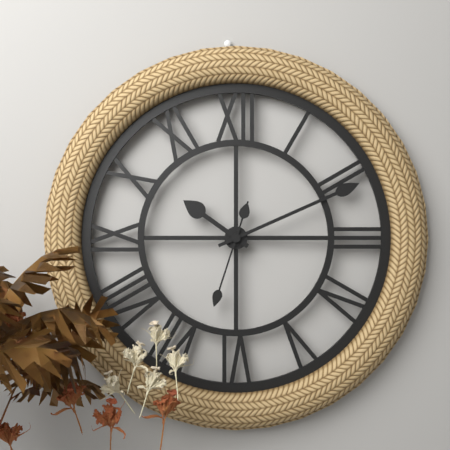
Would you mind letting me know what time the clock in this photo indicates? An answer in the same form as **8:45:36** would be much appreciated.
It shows **10:11:33**
